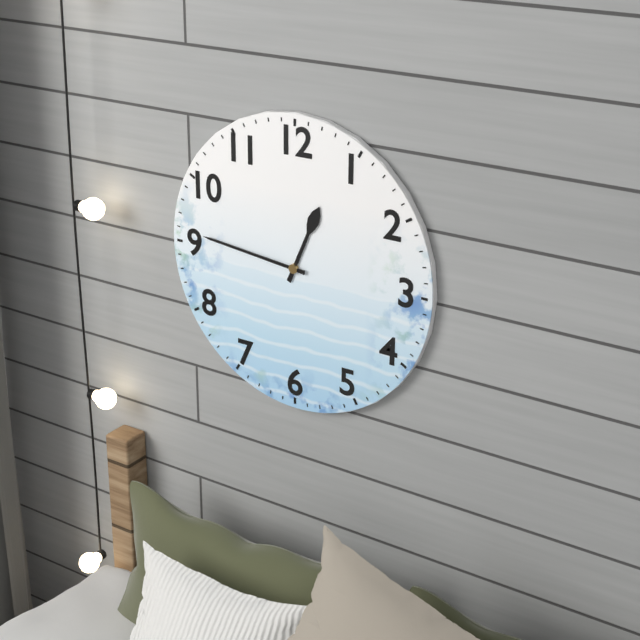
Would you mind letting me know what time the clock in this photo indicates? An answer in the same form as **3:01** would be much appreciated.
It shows **12:46**
